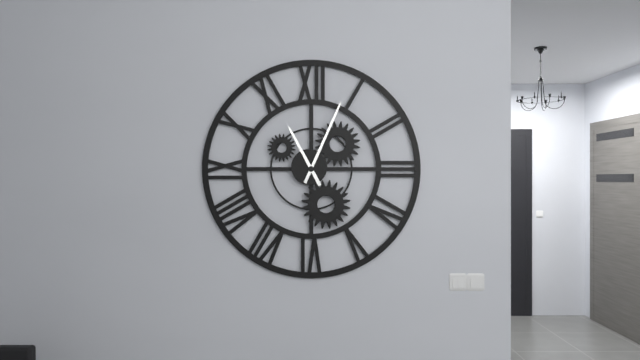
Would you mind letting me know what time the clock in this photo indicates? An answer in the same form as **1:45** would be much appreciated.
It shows **11:04**
